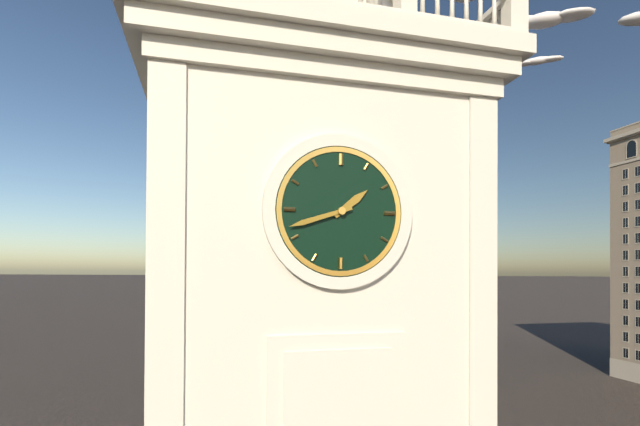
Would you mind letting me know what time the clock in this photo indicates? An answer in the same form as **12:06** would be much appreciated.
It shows **1:42**
